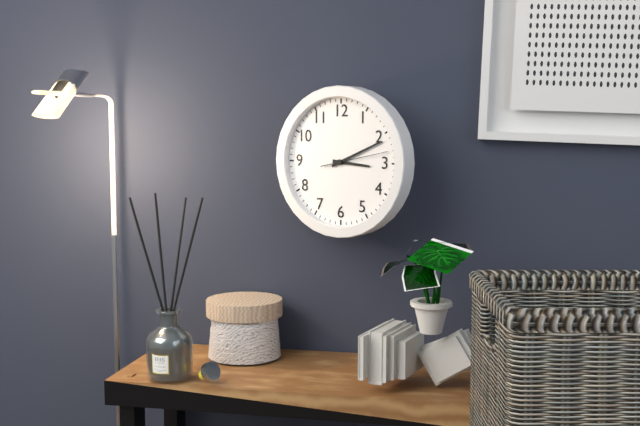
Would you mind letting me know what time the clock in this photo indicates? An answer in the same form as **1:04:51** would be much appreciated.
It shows **3:11:13**
